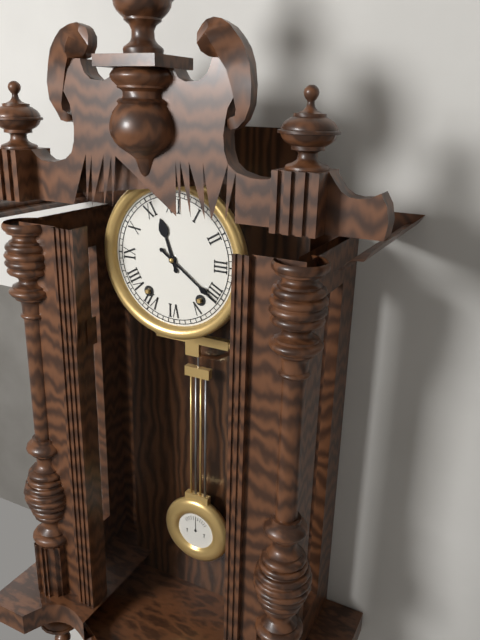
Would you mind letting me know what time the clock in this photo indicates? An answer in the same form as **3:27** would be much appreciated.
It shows **11:21**
